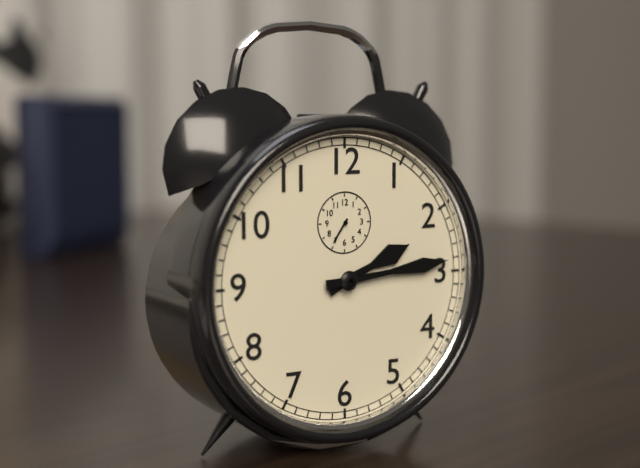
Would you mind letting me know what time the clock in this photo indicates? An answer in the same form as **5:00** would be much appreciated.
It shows **2:14**
